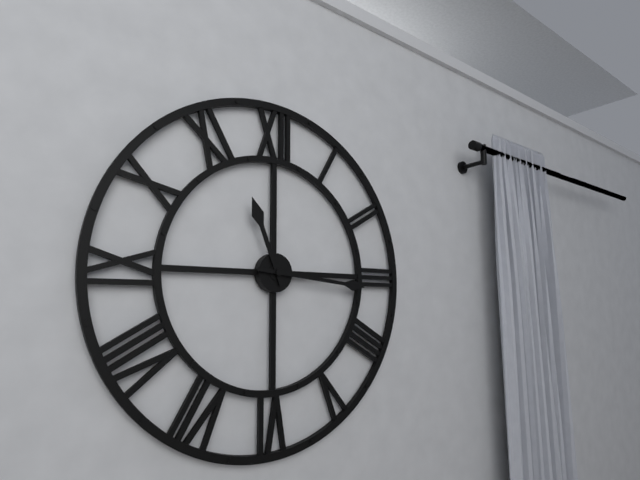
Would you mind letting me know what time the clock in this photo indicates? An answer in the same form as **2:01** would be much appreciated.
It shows **11:16**
